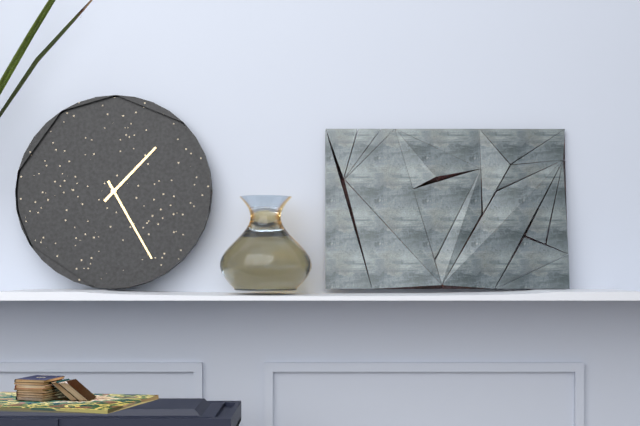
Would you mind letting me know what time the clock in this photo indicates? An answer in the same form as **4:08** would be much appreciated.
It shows **1:25**
